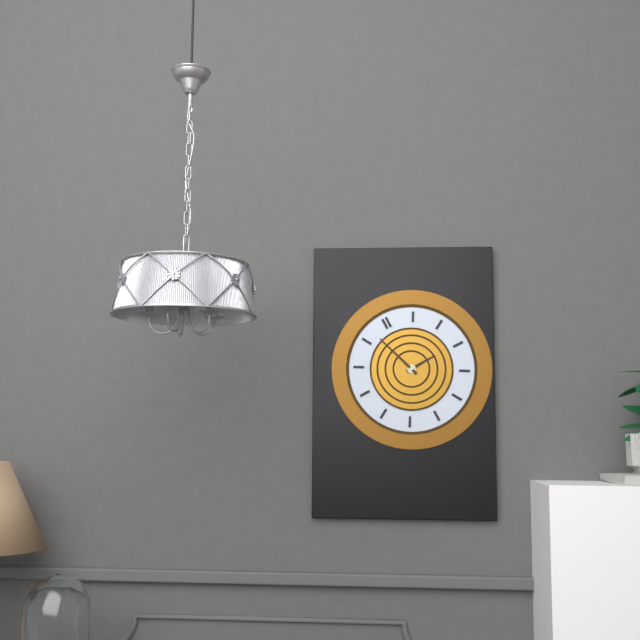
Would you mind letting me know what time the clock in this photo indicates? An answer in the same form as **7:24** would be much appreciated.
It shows **2:57**
